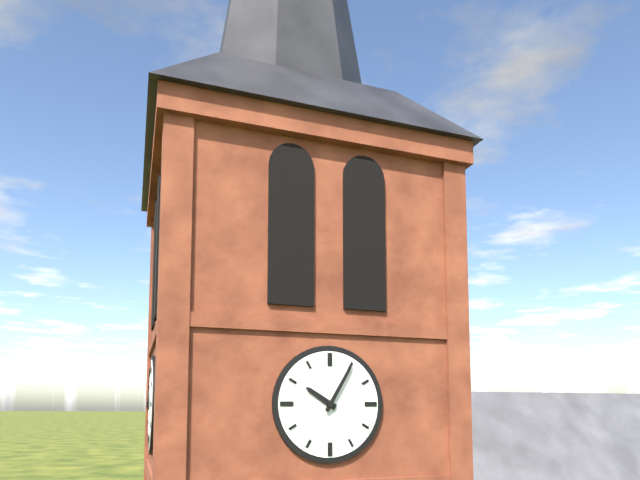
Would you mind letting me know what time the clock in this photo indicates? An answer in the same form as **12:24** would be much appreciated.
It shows **10:05**
